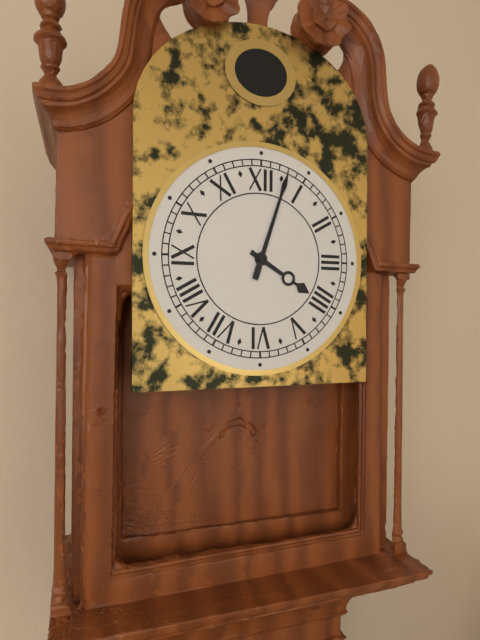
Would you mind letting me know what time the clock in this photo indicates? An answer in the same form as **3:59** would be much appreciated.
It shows **4:03**
